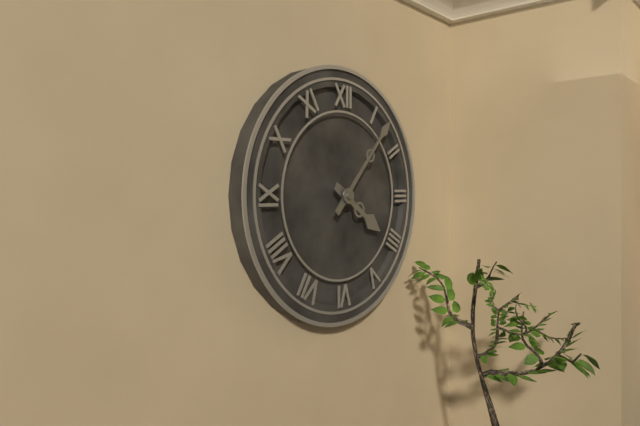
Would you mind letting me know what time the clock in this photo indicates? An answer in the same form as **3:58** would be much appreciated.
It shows **4:07**
